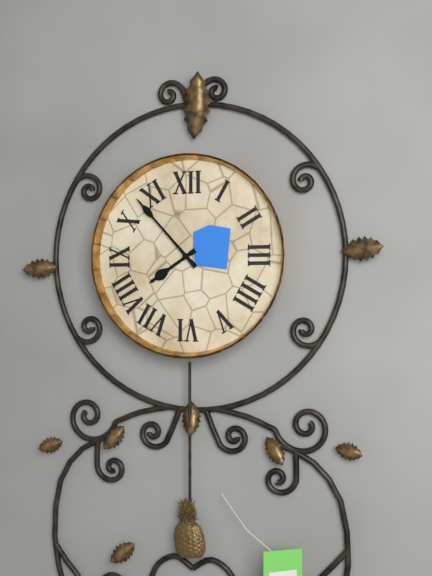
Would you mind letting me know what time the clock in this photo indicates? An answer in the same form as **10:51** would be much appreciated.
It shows **7:53**
